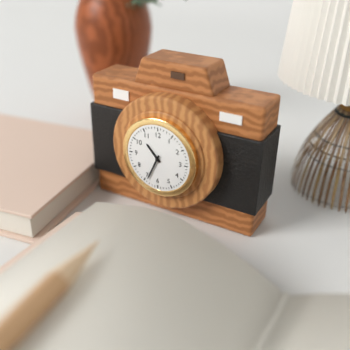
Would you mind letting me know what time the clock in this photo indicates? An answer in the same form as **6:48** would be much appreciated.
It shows **10:34**
